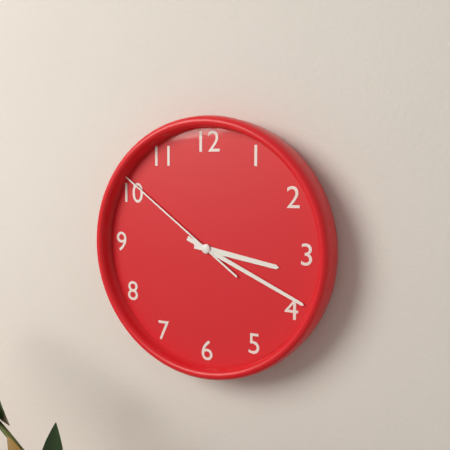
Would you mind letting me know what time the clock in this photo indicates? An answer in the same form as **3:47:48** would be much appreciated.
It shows **3:19:51**
